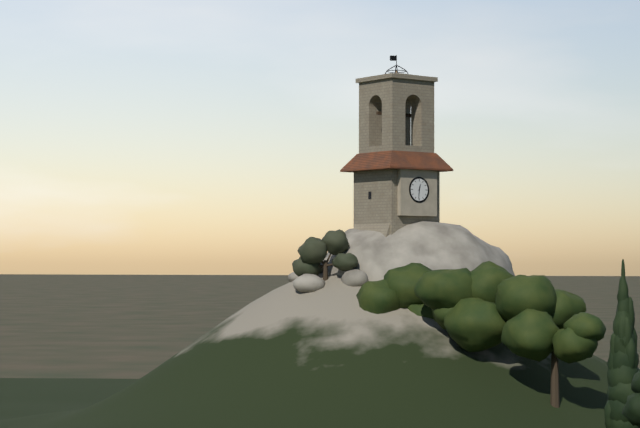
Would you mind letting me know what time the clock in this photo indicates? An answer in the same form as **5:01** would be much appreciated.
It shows **12:31**
